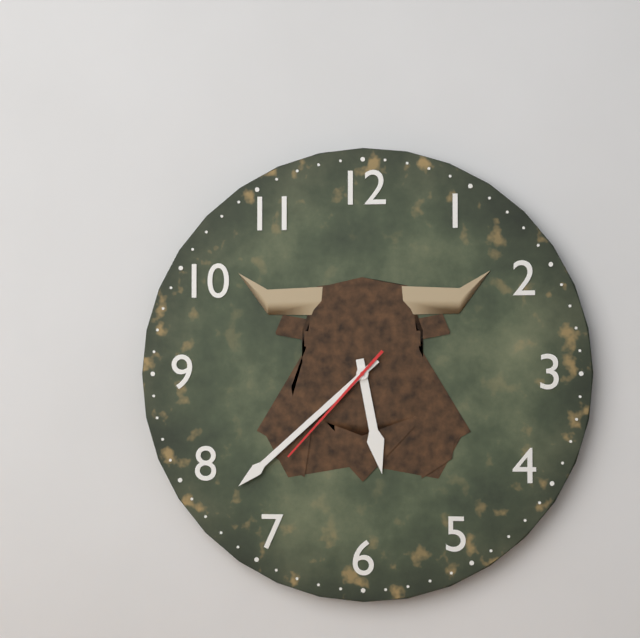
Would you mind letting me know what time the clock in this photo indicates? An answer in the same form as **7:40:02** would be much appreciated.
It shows **5:38:37**
